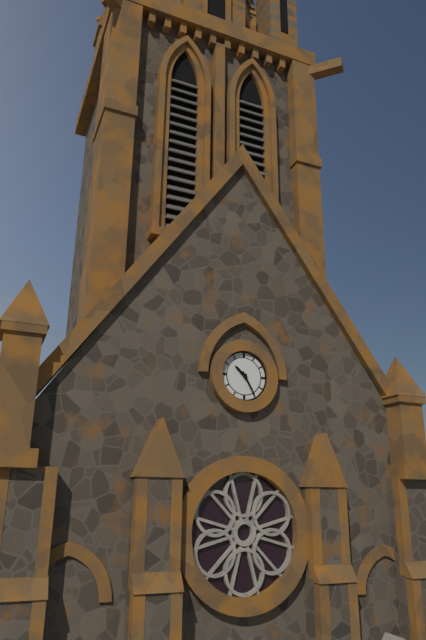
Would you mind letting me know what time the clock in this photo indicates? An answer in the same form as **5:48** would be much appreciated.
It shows **10:25**
